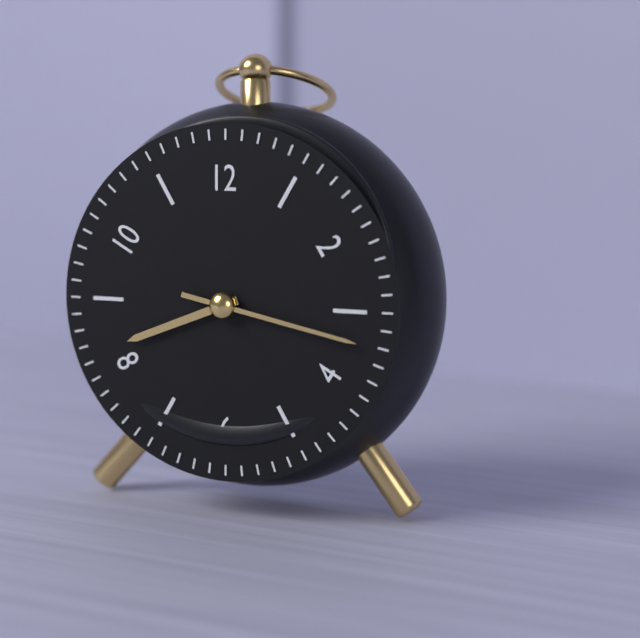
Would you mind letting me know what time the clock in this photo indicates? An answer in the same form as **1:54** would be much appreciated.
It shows **8:17**
